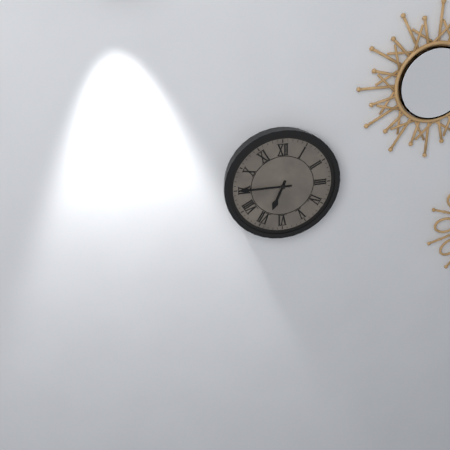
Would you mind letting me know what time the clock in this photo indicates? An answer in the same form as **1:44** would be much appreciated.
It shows **6:45**
